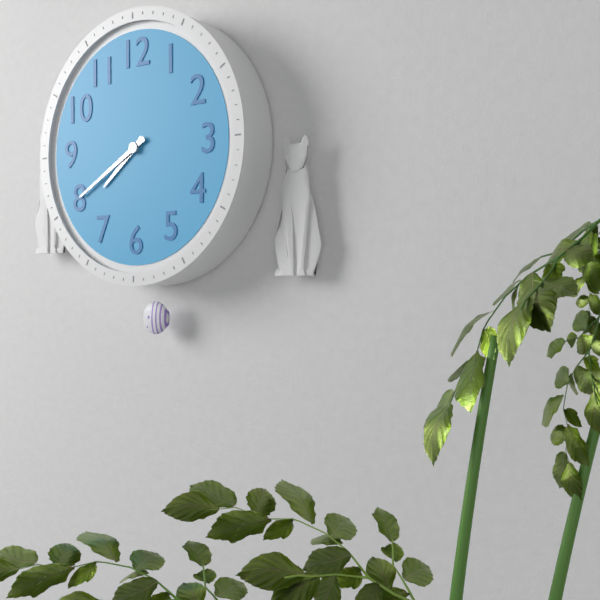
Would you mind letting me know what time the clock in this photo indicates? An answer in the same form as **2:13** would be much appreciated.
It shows **7:40**
